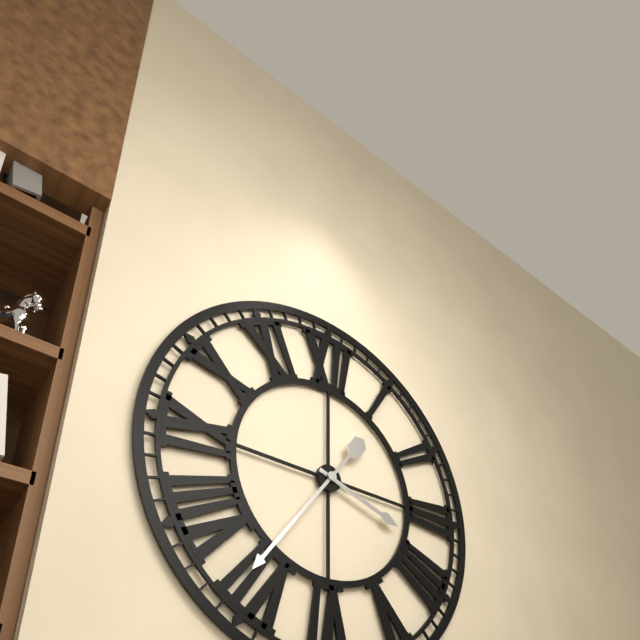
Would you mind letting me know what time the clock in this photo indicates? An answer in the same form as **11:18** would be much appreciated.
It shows **3:36**
